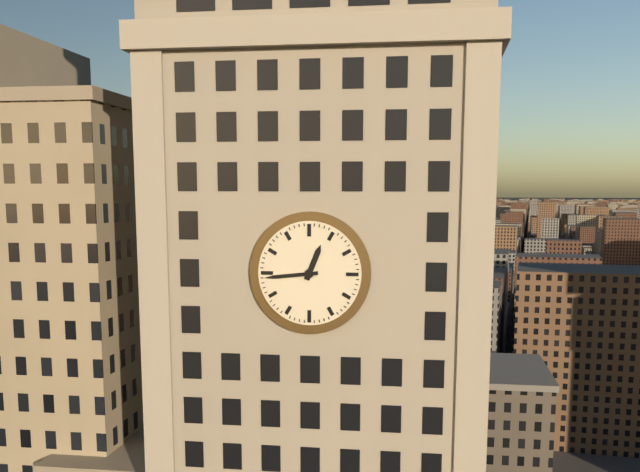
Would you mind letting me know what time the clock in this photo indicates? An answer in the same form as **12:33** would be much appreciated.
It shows **12:44**
